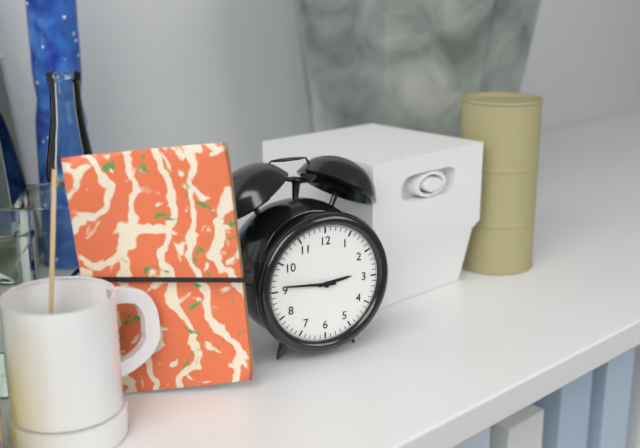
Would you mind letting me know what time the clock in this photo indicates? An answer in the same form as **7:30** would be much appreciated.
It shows **2:46**
